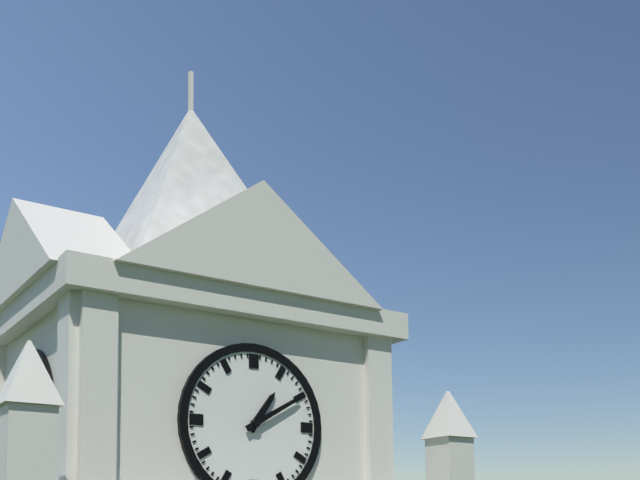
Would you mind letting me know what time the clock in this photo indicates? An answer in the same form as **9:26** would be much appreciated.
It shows **1:10**
